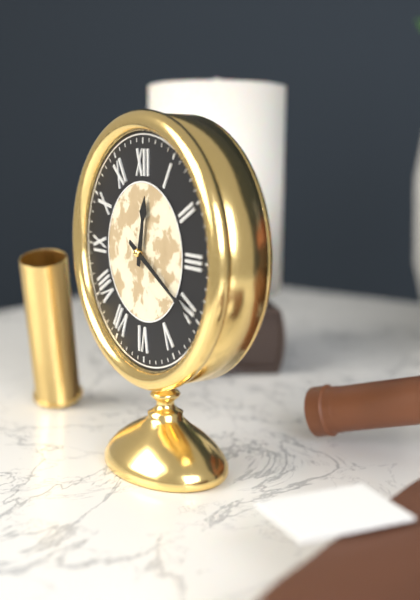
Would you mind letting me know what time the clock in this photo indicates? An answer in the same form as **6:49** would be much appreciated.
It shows **12:20**
